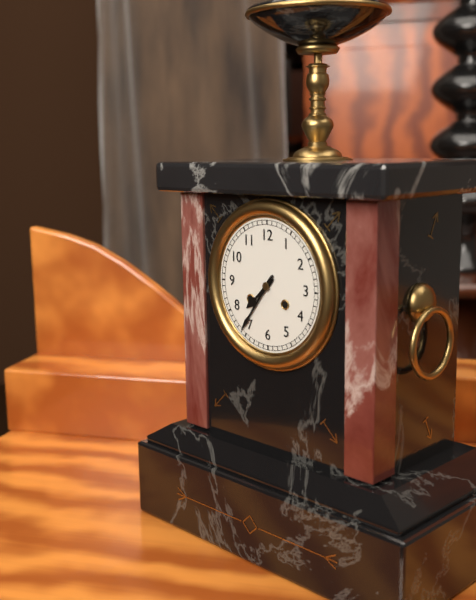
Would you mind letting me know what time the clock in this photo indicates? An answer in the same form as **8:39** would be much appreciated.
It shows **7:36**
